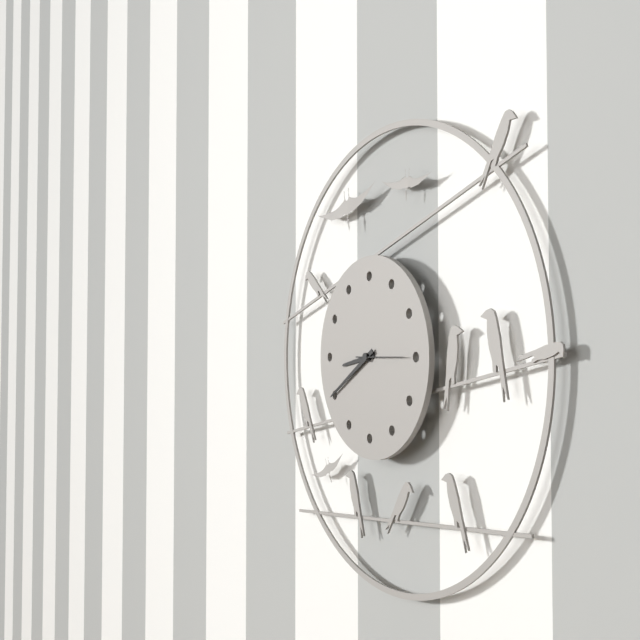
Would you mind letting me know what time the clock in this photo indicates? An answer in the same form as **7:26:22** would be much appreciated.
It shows **8:40:15**
